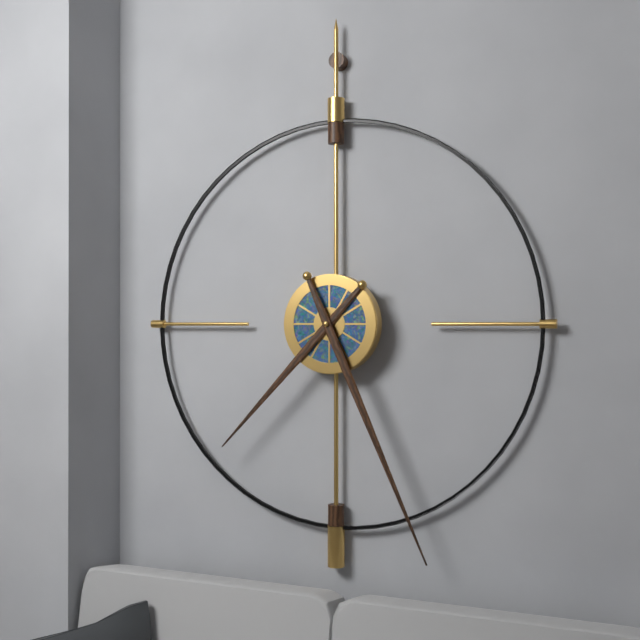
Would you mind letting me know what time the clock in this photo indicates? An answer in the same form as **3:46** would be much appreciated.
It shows **7:26**
